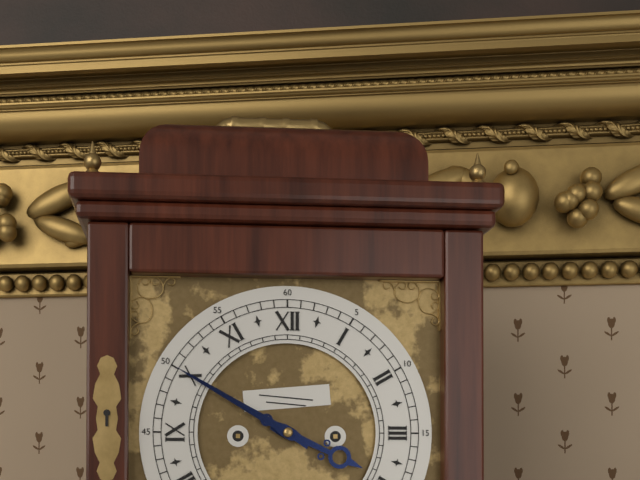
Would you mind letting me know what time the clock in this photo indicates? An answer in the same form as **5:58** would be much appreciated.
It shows **3:50**
